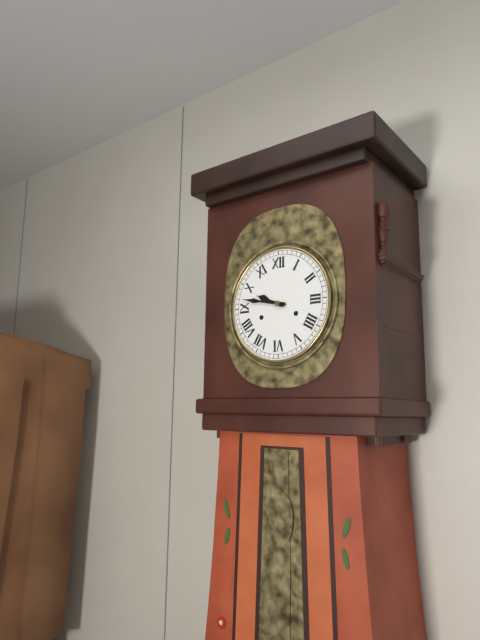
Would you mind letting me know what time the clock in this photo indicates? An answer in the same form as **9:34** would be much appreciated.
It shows **9:47**
